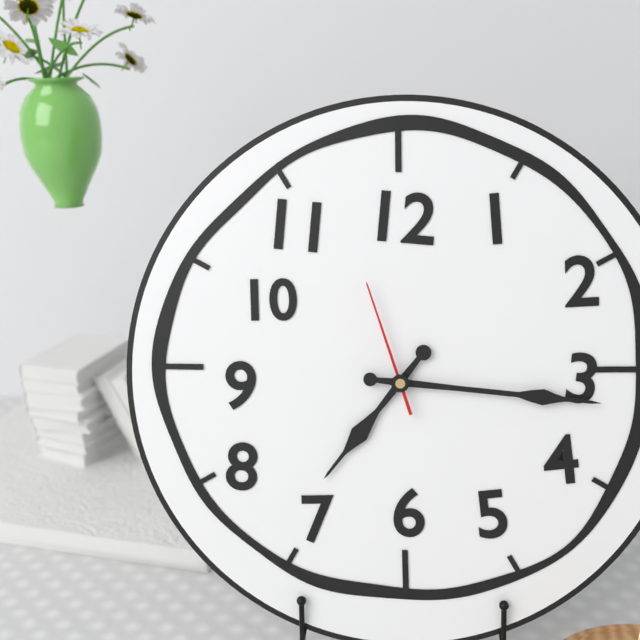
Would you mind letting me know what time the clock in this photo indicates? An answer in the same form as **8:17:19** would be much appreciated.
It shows **7:16:57**
